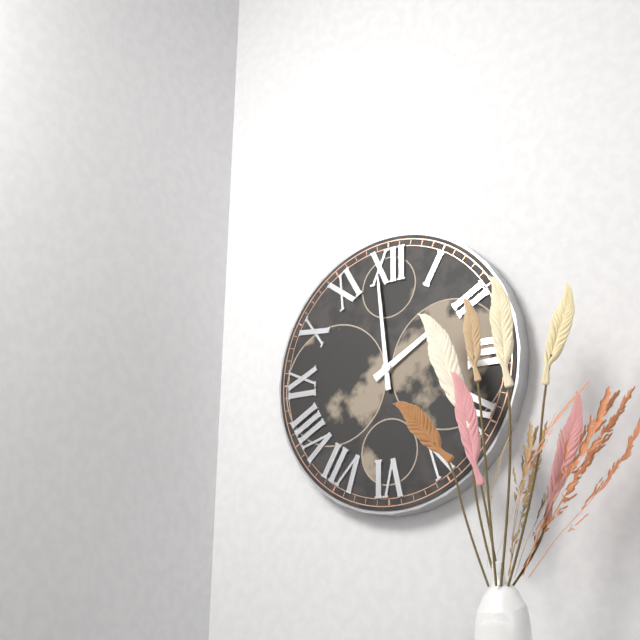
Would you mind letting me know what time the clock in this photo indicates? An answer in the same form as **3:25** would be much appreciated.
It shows **1:59**
